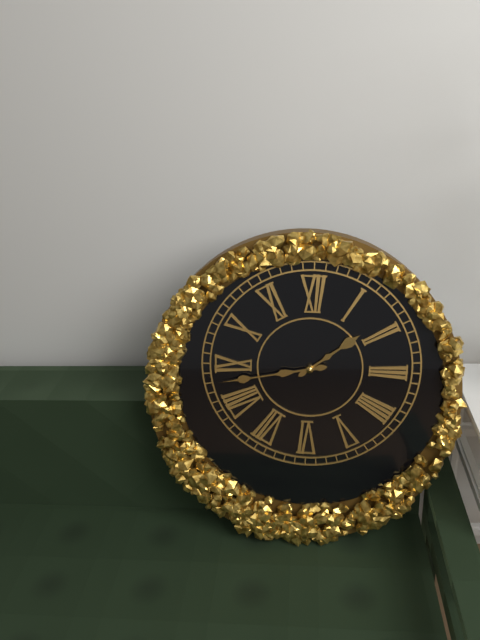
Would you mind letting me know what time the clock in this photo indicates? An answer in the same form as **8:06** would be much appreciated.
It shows **1:43**
